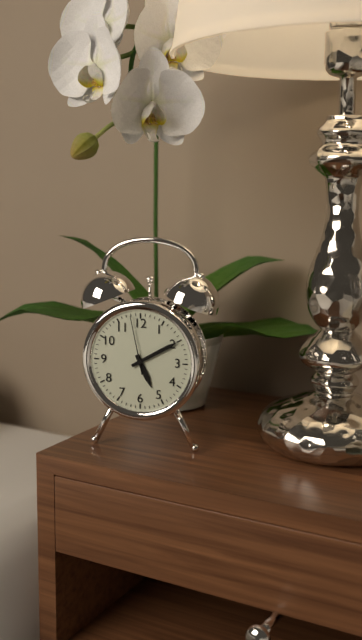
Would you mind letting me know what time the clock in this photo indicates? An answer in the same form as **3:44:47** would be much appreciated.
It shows **5:10:58**
